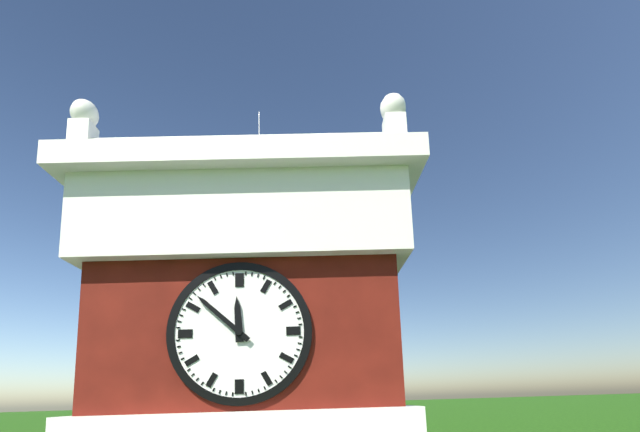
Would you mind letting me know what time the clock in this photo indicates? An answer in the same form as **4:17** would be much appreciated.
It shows **11:52**
